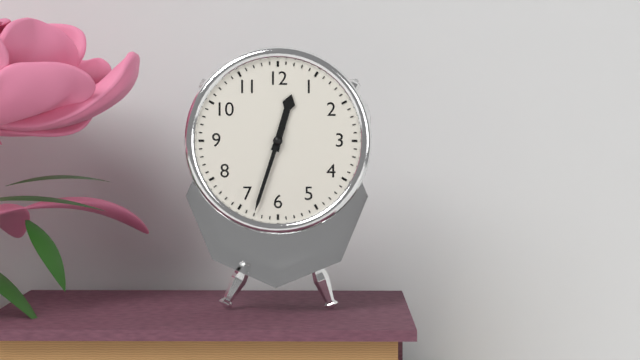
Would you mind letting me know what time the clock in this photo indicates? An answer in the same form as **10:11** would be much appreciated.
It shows **12:33**
